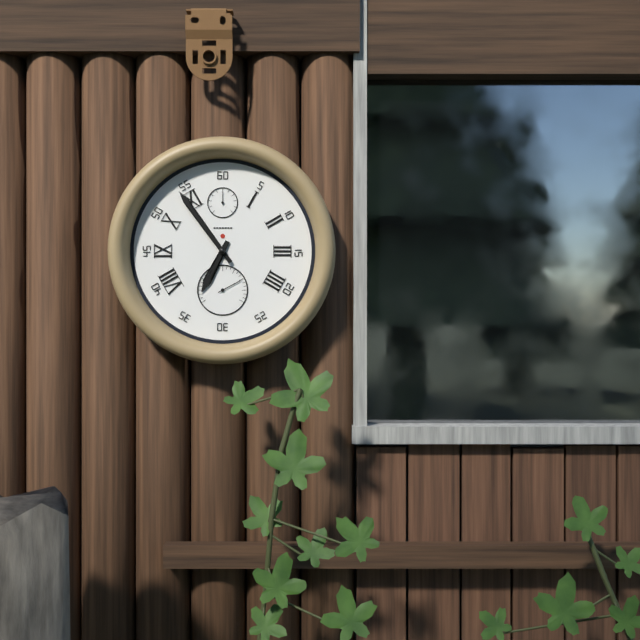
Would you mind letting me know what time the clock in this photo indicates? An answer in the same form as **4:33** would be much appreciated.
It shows **6:54**
